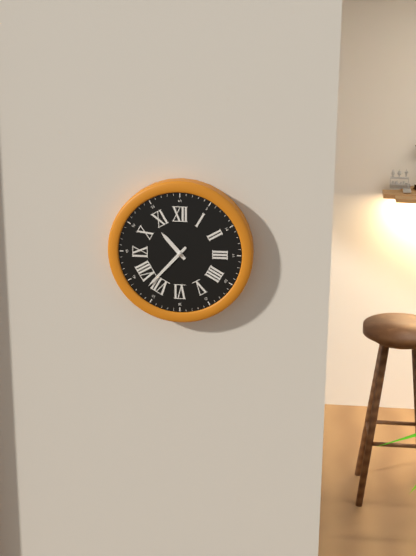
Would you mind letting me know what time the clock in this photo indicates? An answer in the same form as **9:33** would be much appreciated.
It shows **10:37**
